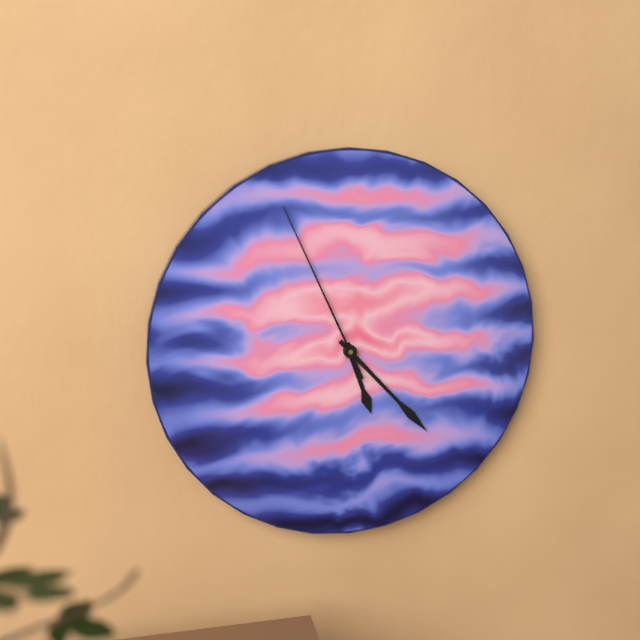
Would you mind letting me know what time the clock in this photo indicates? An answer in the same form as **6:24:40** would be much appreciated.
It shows **5:23:56**
